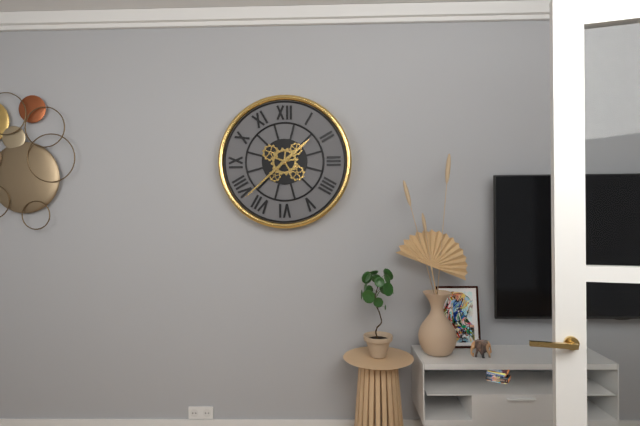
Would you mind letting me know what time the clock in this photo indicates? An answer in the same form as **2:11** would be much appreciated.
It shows **1:38**
